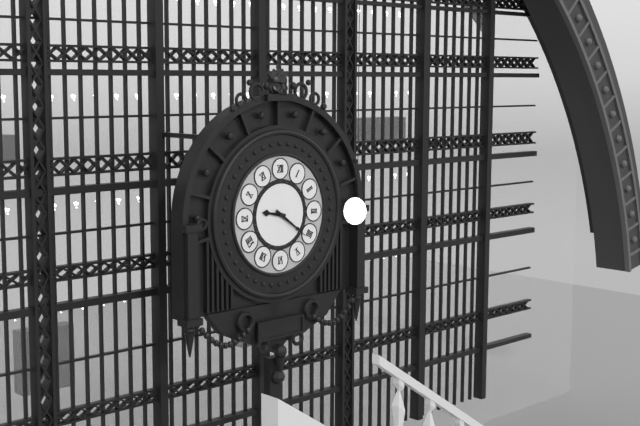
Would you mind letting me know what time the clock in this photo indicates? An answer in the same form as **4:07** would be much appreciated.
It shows **9:21**
